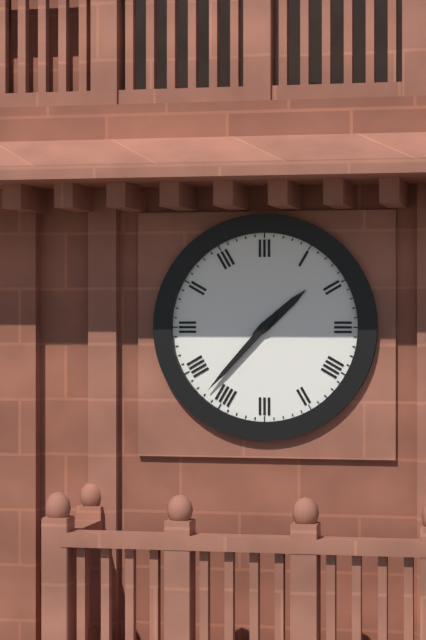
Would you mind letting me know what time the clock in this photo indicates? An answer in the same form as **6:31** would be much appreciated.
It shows **1:37**
